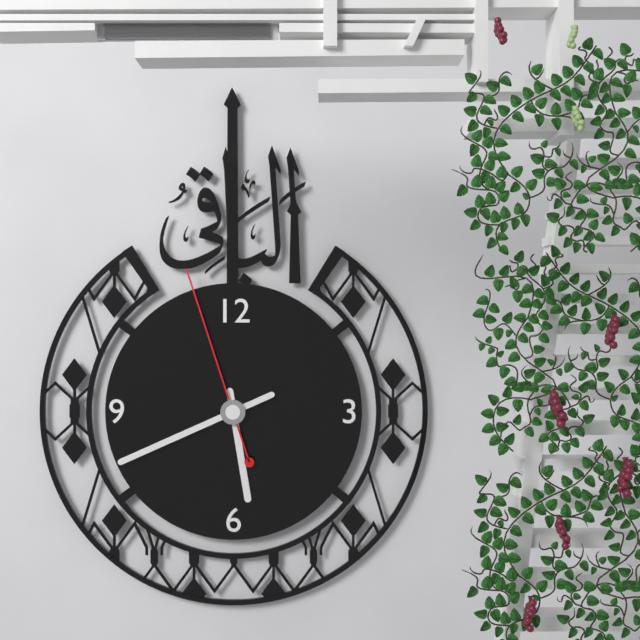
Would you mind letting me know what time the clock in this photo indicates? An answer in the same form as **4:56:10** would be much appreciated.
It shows **5:41:57**
